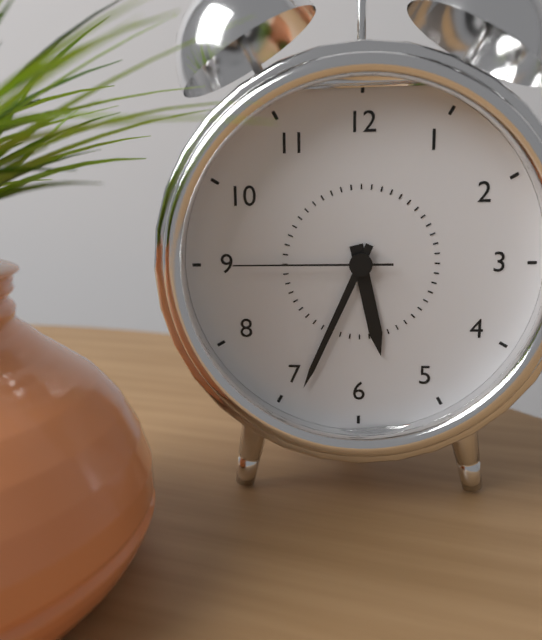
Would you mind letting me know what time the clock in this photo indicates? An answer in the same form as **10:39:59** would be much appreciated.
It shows **5:34:45**
